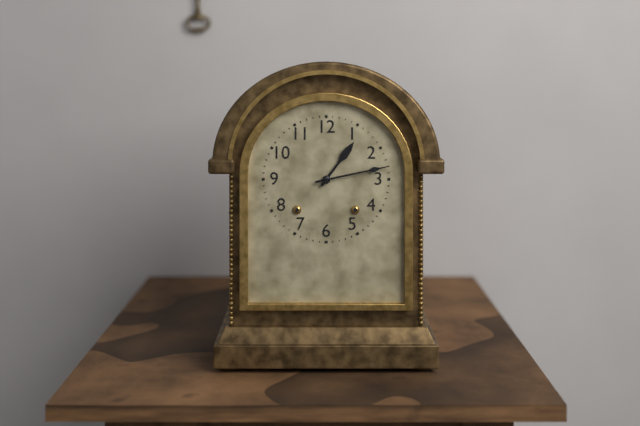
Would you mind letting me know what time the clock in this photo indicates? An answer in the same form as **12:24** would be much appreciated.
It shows **1:13**
